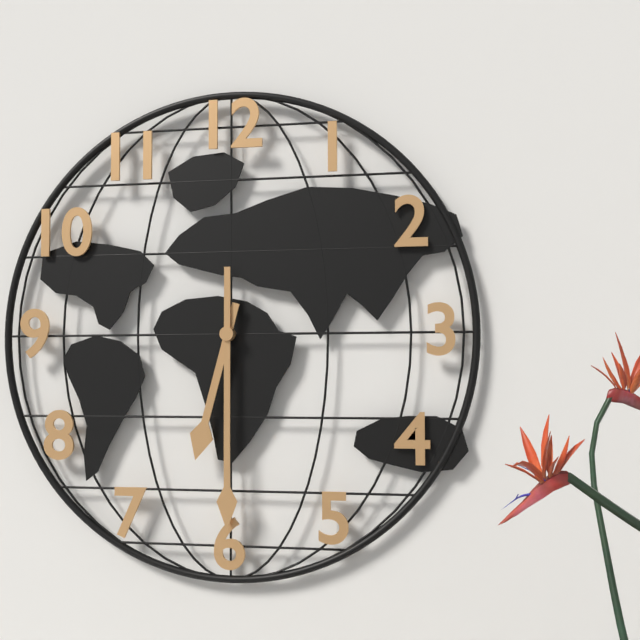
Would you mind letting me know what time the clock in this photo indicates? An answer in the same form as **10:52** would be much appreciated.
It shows **6:30**
